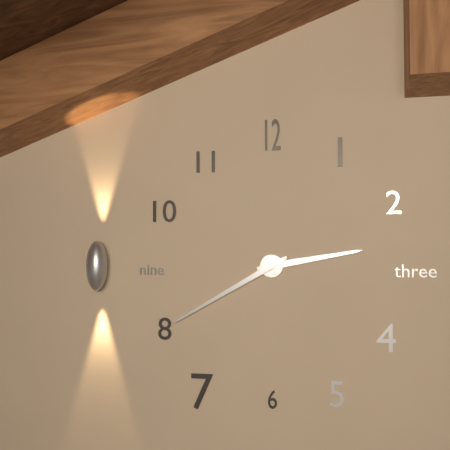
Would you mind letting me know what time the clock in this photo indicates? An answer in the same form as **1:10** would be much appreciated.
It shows **2:40**
